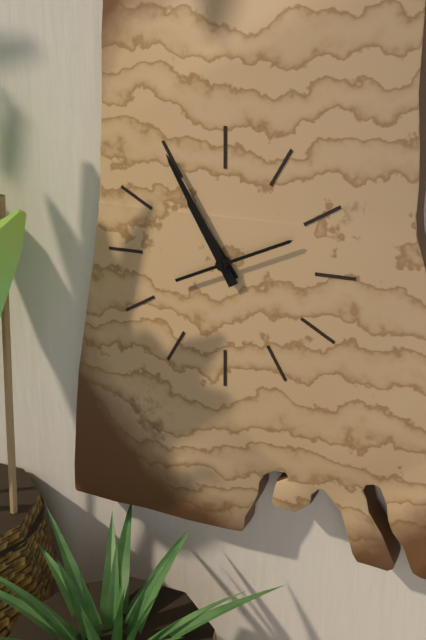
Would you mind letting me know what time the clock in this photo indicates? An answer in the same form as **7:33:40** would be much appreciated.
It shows **10:55:11**
